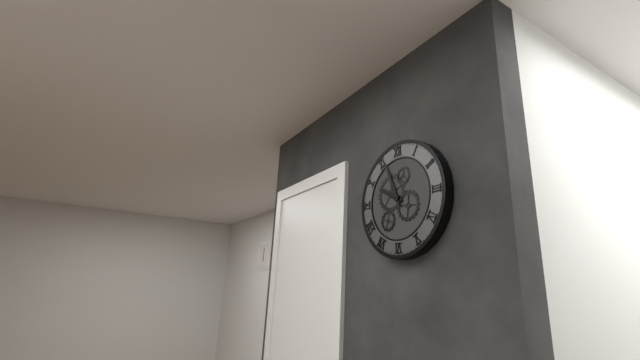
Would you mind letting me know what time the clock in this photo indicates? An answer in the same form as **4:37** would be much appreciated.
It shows **9:56**
